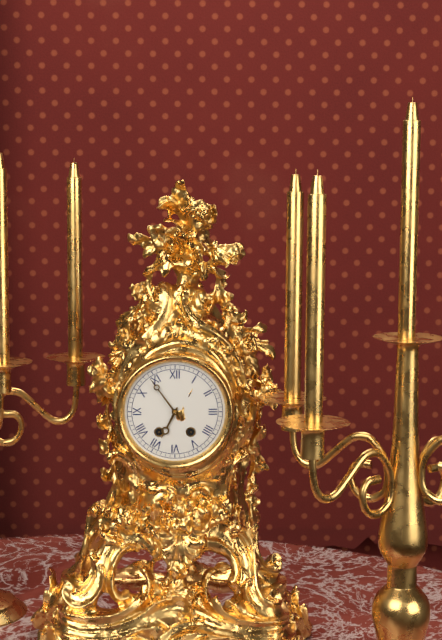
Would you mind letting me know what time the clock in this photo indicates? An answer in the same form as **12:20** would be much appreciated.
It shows **6:54**
